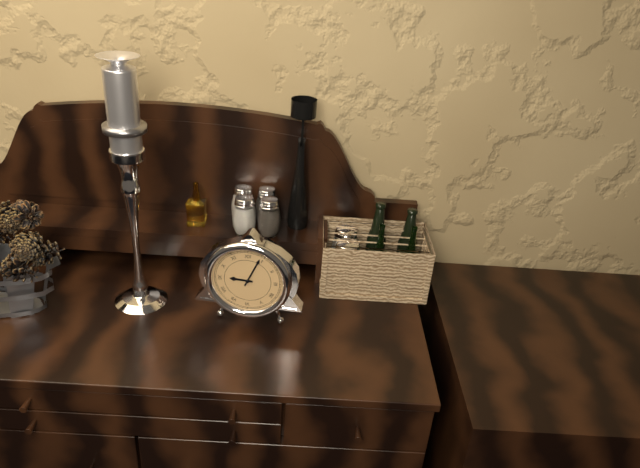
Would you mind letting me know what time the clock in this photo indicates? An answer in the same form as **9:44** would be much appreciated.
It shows **9:04**
